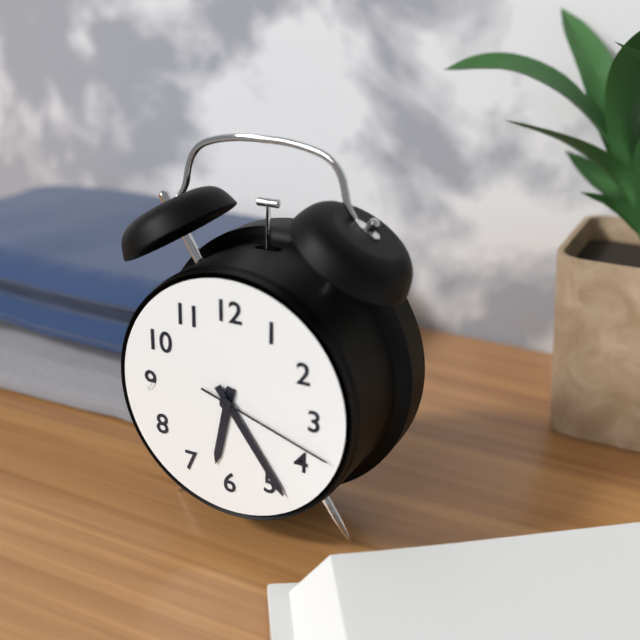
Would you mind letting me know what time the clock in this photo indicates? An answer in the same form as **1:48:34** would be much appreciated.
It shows **6:24:18**
